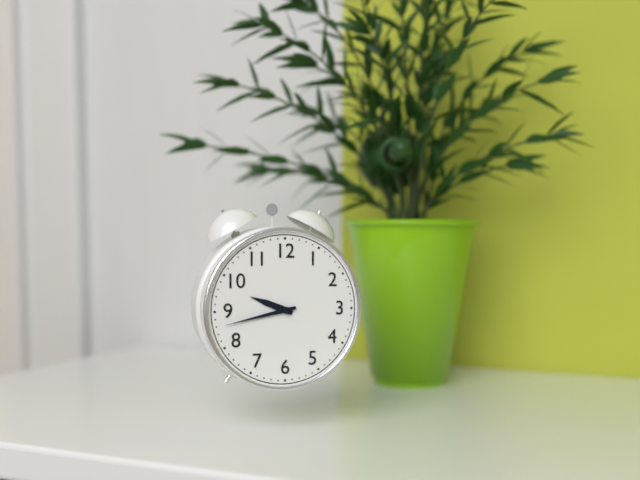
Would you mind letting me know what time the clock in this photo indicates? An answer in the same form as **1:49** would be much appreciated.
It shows **9:43**
